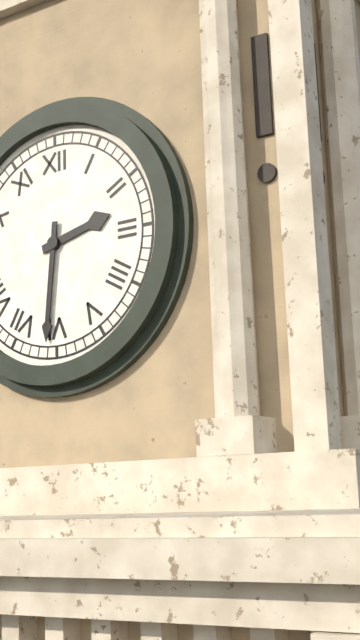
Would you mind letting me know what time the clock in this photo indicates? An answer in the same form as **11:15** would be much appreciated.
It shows **2:31**
